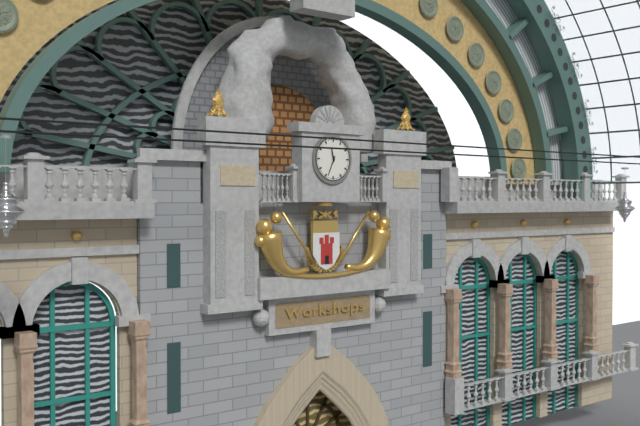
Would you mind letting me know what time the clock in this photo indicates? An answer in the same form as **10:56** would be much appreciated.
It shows **11:34**
